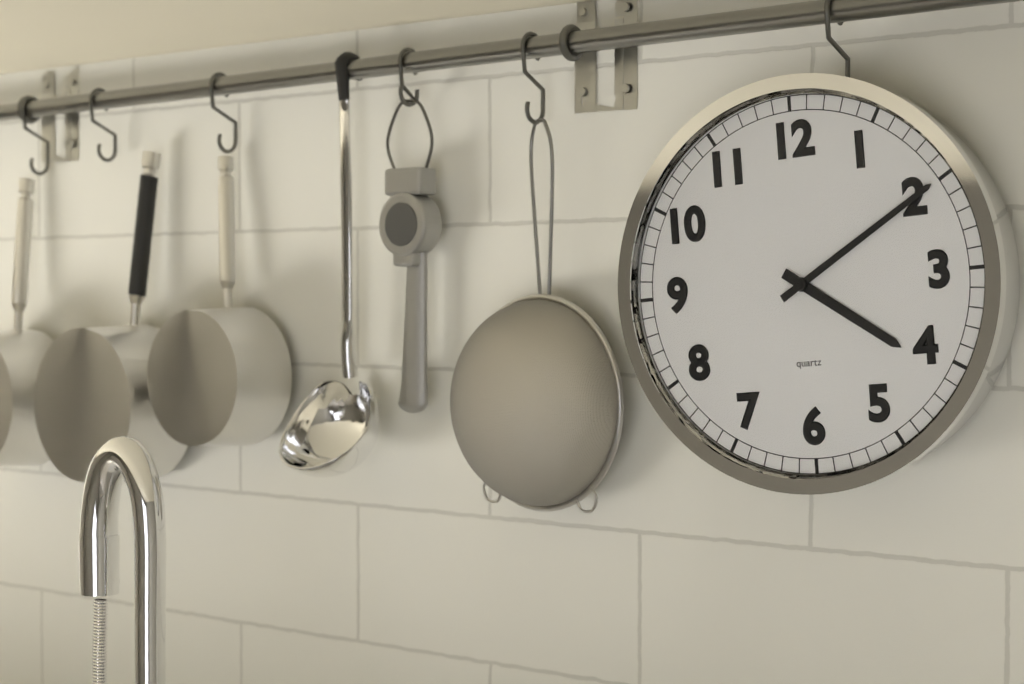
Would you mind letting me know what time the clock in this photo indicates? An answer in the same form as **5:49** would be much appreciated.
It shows **4:10**
